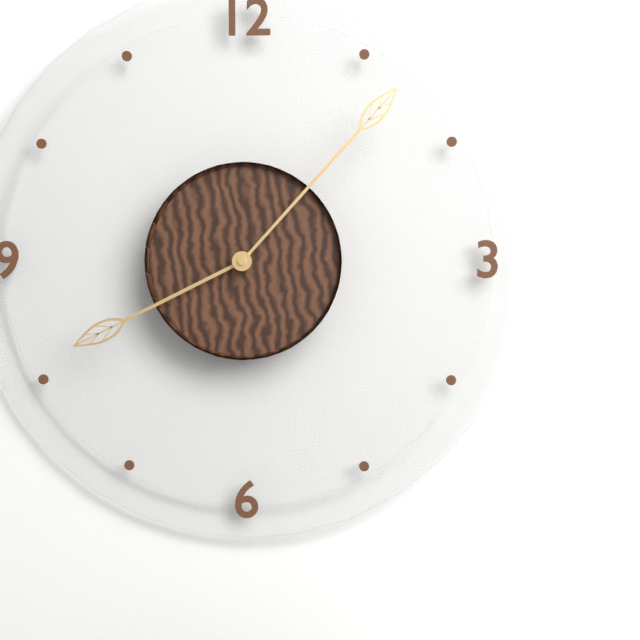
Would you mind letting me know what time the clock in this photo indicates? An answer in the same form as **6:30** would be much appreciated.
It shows **8:07**
